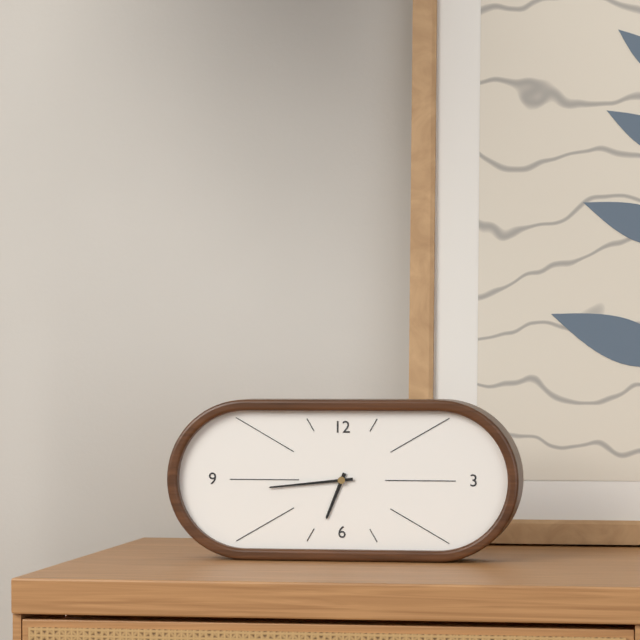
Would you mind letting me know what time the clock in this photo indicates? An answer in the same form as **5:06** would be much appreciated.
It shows **6:44**
